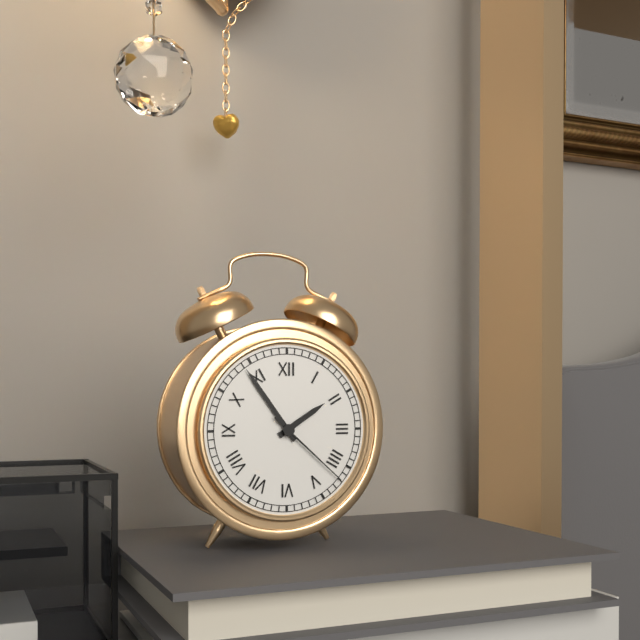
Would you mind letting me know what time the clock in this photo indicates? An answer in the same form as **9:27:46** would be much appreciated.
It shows **1:54:22**
